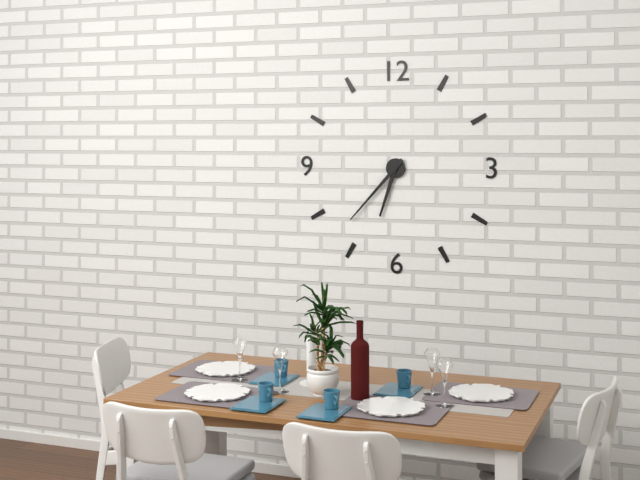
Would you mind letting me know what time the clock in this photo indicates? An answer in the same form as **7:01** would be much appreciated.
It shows **6:37**
